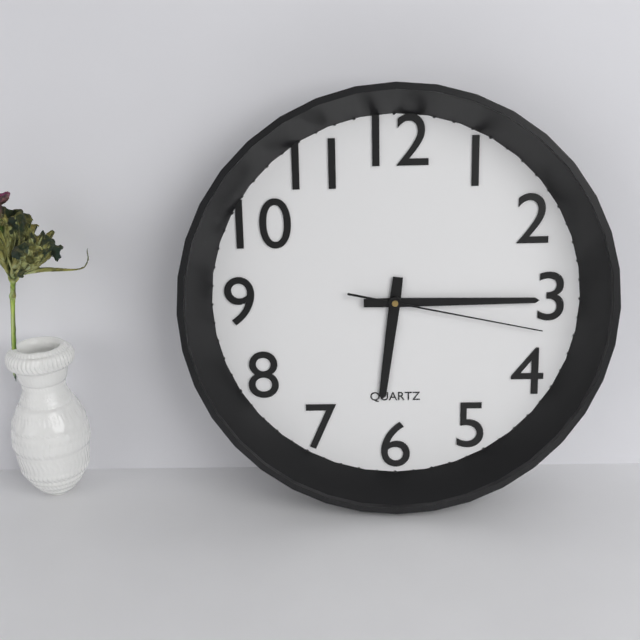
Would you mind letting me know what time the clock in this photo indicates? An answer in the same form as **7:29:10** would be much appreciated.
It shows **6:15:17**
